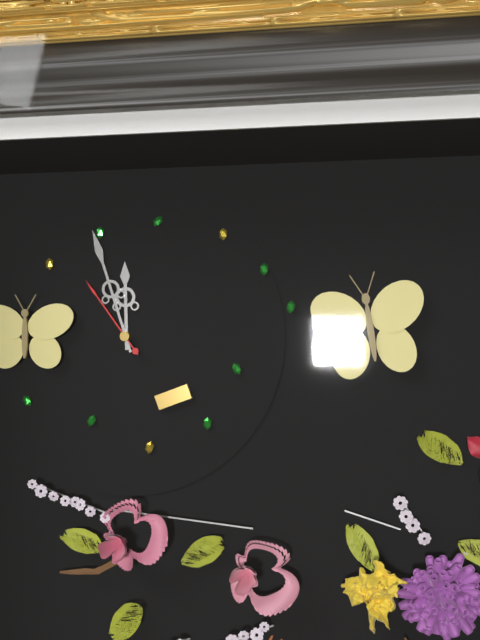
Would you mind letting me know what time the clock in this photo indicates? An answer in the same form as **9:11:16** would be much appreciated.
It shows **11:57:54**
